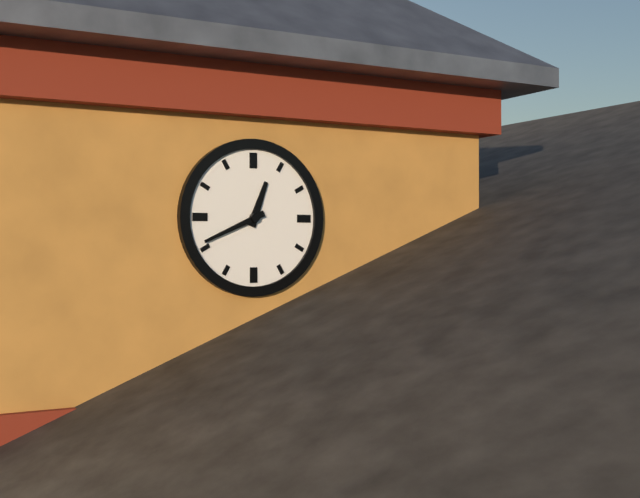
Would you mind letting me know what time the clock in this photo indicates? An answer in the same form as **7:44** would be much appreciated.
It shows **12:41**
